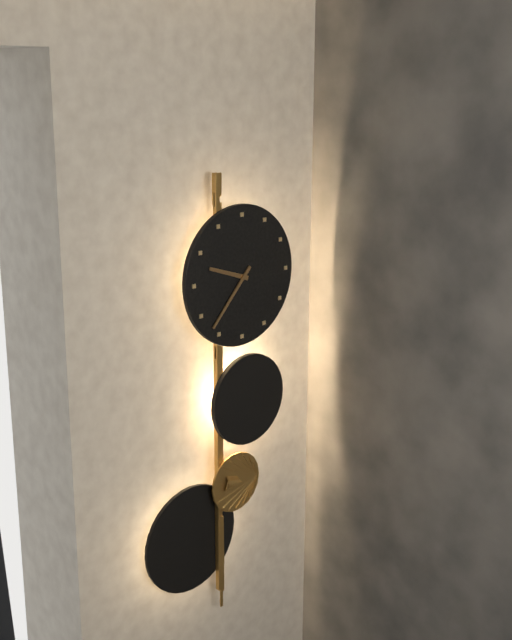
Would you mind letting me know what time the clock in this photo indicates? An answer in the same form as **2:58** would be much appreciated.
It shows **9:37**
